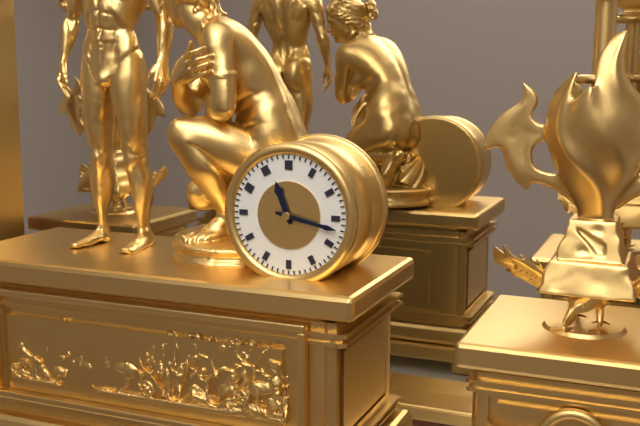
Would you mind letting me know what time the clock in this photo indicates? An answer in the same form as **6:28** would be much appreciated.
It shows **11:17**
